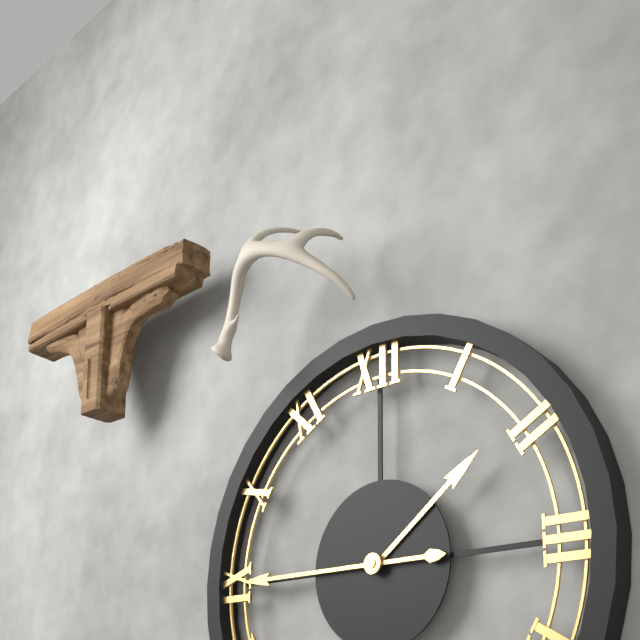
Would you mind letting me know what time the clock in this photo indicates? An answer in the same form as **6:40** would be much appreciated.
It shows **1:45**
